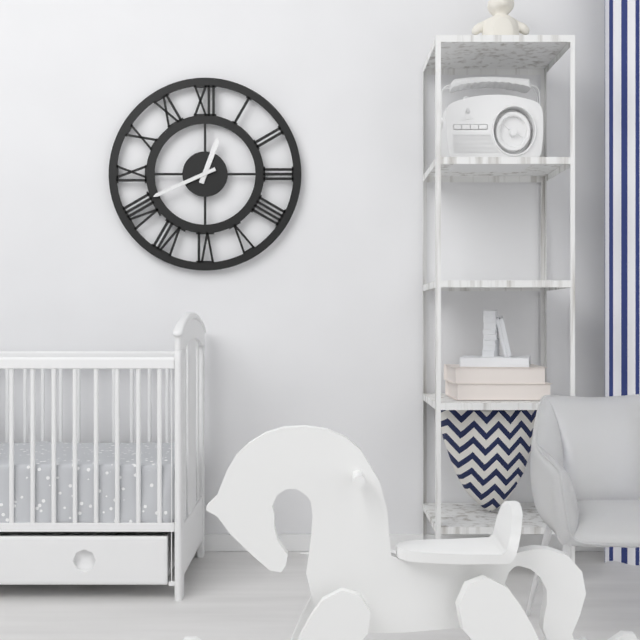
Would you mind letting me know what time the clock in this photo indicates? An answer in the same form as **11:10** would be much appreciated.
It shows **12:41**
